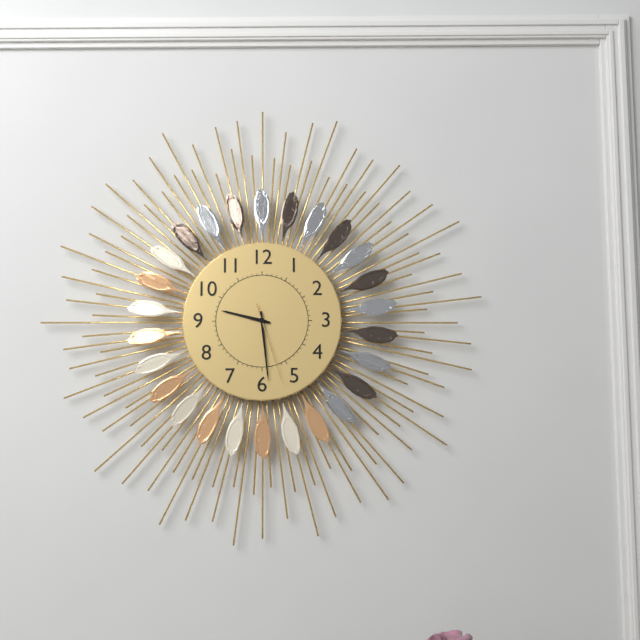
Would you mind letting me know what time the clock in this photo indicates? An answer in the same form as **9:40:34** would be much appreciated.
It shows **9:29:27**
